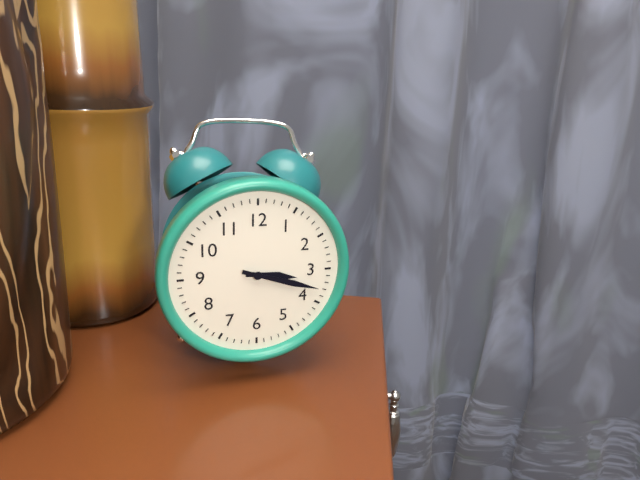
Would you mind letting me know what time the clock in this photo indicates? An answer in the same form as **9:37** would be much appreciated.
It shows **3:18**
